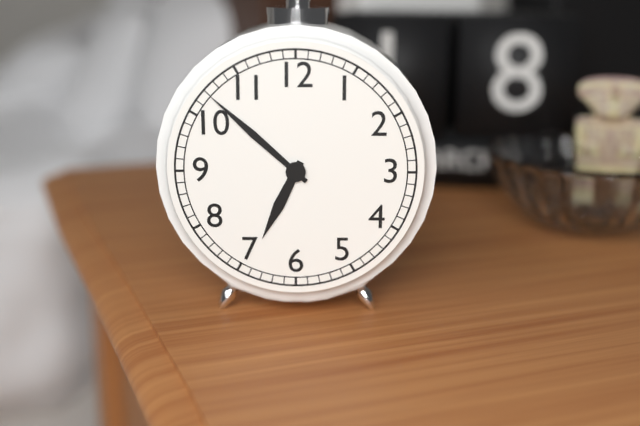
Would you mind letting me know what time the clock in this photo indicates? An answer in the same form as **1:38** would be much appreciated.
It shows **6:52**
